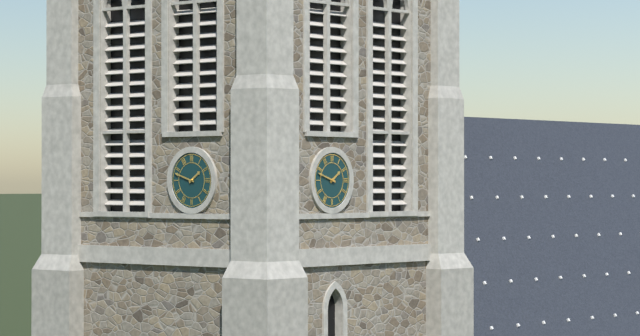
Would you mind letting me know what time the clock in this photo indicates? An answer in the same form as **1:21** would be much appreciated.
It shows **1:48**
